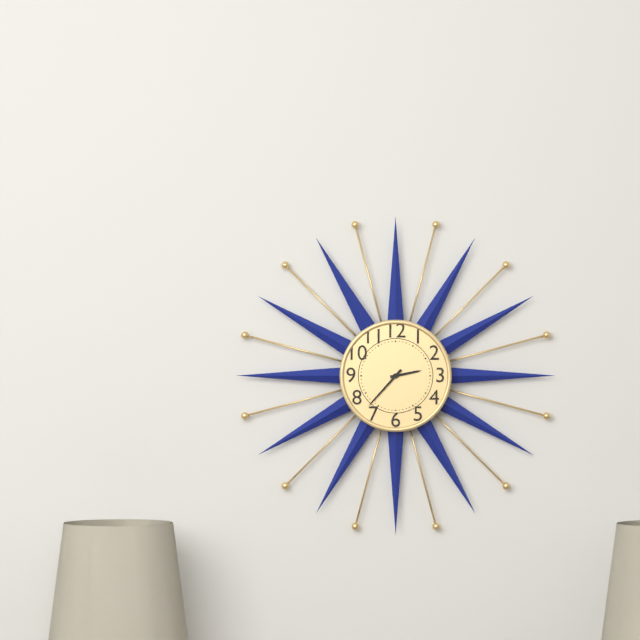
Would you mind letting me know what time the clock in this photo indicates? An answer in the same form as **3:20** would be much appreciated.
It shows **2:37**
